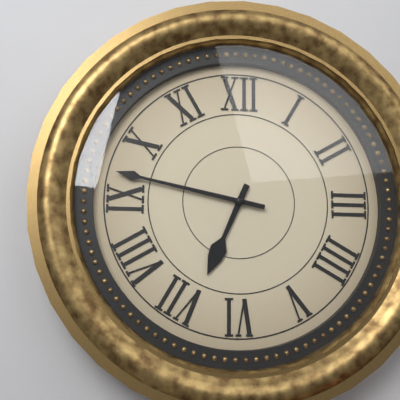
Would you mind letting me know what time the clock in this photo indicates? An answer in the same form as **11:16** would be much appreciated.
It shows **6:47**
